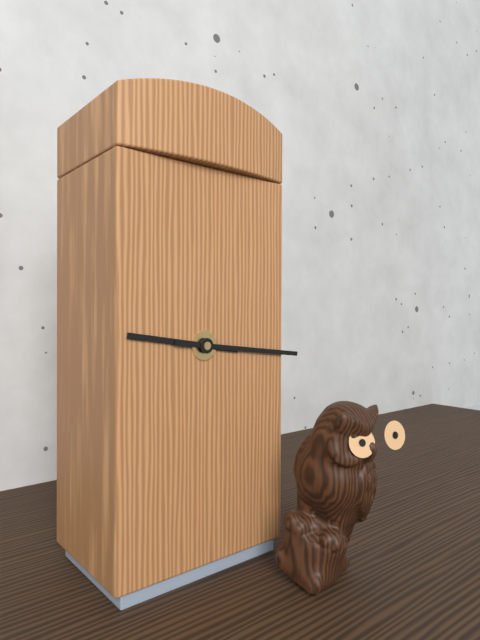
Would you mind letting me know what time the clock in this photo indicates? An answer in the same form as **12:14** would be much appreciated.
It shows **9:16**
